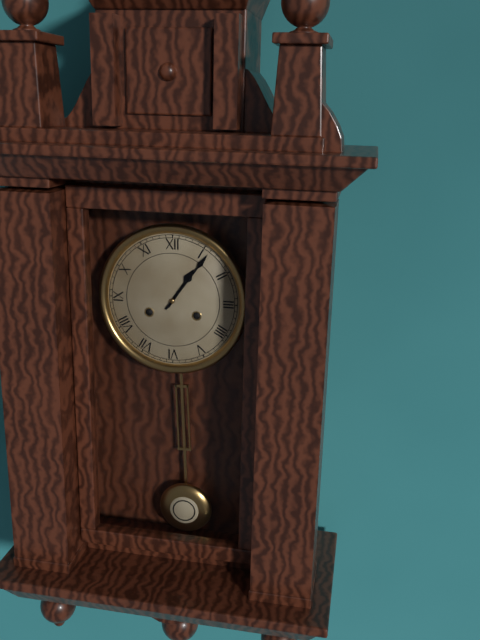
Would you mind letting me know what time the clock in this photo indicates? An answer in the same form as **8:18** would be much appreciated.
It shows **1:06**
